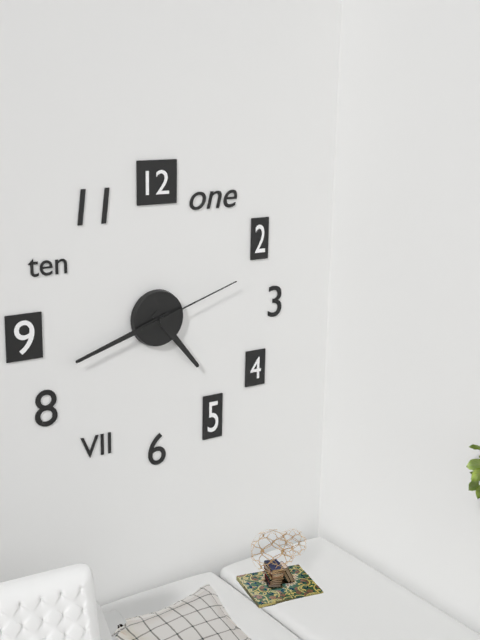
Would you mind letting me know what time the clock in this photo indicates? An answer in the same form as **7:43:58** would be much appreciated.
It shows **4:42:12**
